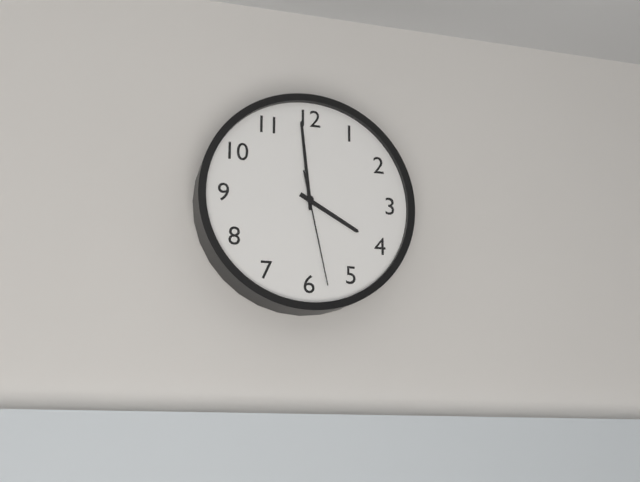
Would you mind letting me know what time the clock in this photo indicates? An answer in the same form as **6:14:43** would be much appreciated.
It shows **3:59:28**
